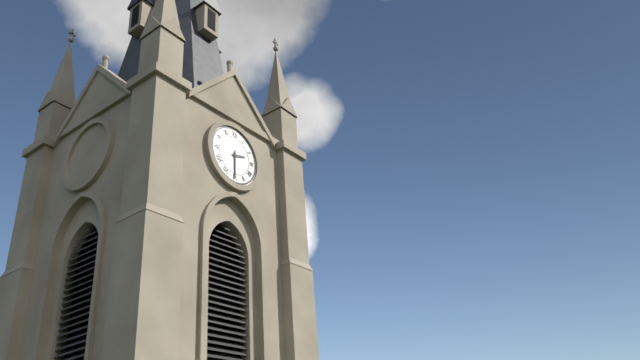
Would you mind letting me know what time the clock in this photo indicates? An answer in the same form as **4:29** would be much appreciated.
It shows **2:30**
